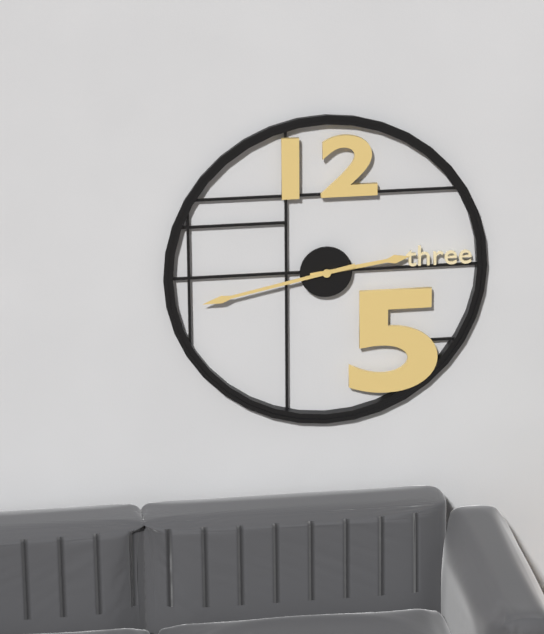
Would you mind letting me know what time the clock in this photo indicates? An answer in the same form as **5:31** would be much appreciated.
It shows **2:43**
